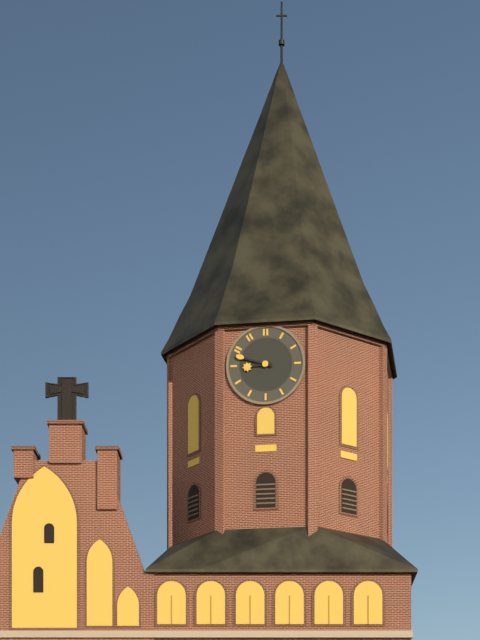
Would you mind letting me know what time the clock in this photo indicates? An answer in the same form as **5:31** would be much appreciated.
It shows **8:48**
